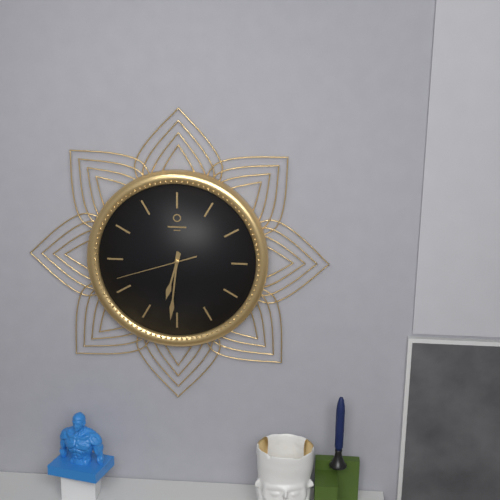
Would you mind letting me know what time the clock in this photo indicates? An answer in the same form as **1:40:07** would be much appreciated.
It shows **6:31:42**
